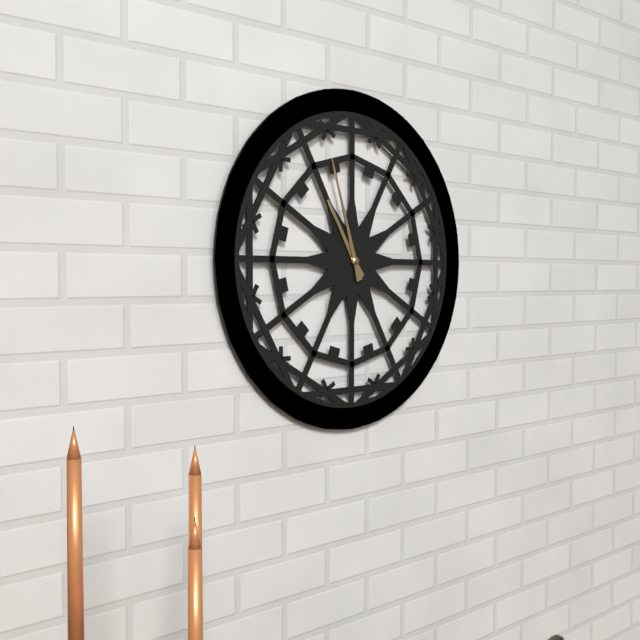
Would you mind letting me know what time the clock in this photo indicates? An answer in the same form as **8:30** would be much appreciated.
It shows **10:57**
